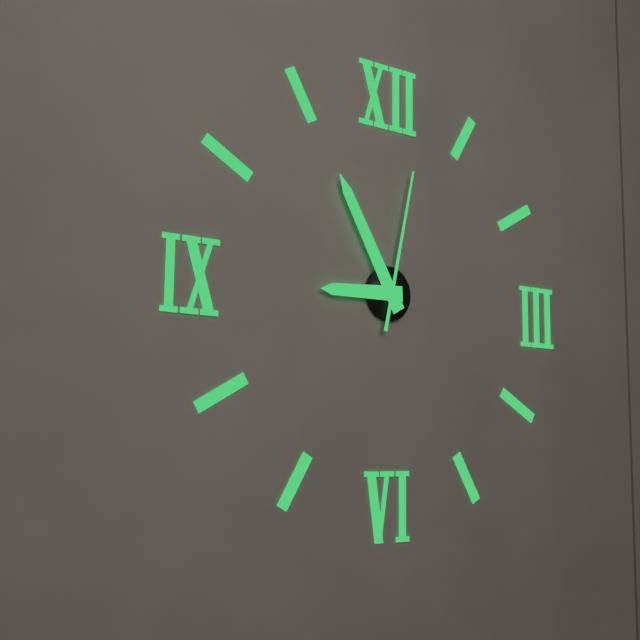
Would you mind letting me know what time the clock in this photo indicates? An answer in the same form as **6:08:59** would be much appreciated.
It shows **8:55:02**
